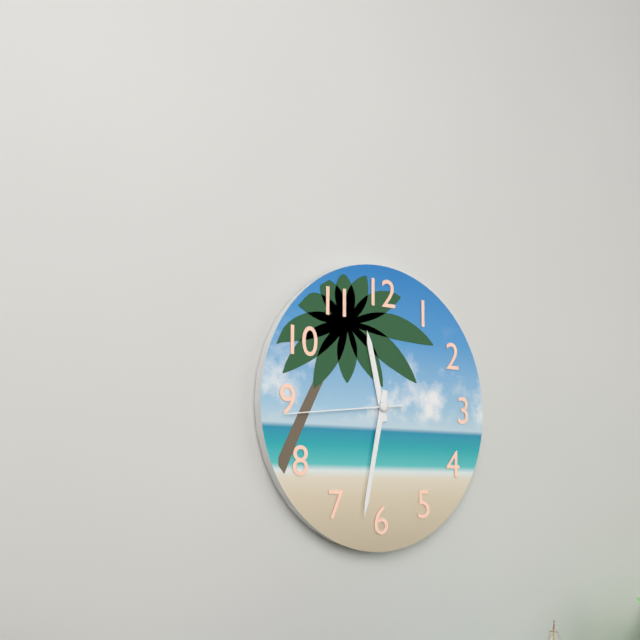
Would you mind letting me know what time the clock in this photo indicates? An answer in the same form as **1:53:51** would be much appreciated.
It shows **11:32:44**
